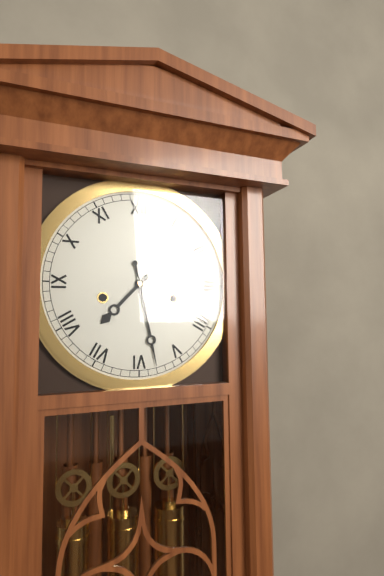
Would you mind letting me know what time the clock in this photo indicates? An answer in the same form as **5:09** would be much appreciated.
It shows **7:28**
